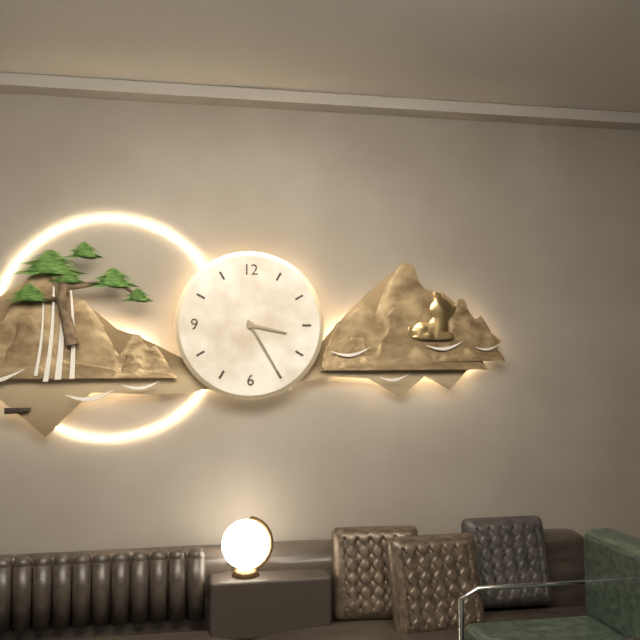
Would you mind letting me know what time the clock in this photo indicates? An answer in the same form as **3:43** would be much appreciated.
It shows **3:25**
